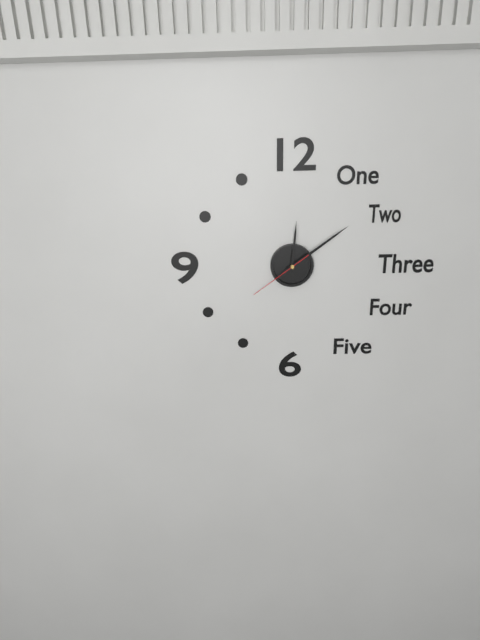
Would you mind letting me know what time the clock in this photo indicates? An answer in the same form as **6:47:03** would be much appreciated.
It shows **12:09:39**
